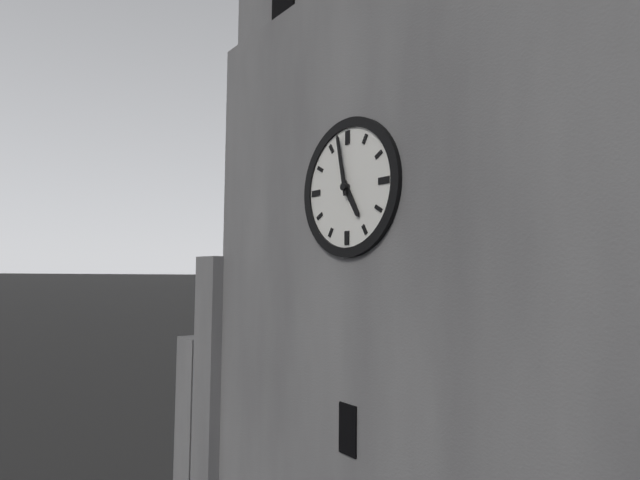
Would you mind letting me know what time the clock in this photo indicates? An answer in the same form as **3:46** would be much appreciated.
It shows **4:58**
